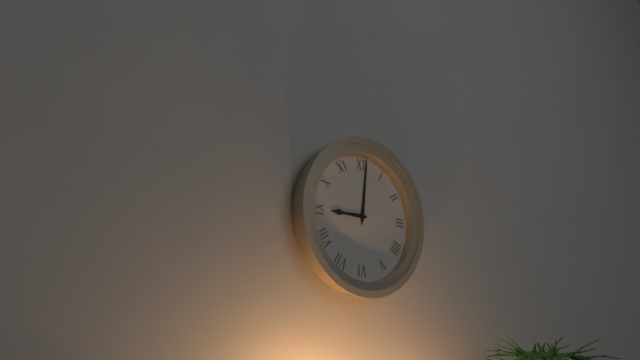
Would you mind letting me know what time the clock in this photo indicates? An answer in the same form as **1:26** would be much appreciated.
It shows **9:01**
